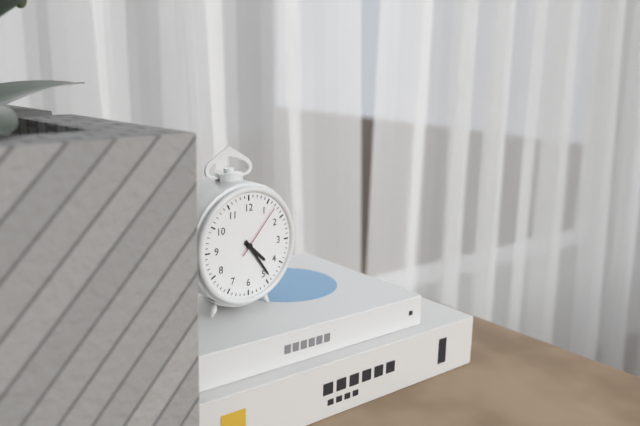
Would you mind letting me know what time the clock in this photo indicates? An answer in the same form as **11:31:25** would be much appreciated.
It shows **4:24:07**
